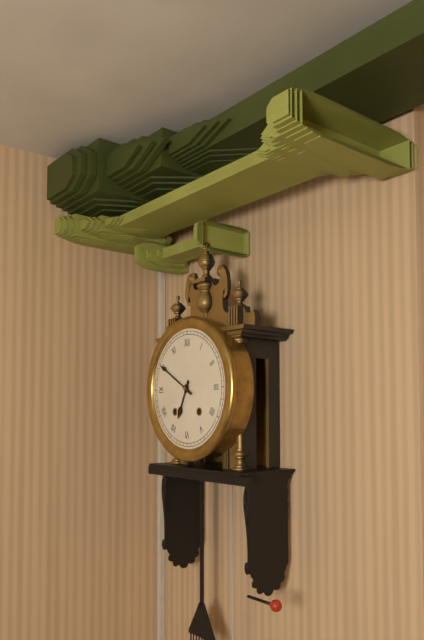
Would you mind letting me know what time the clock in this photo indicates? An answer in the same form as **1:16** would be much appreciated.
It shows **6:50**
